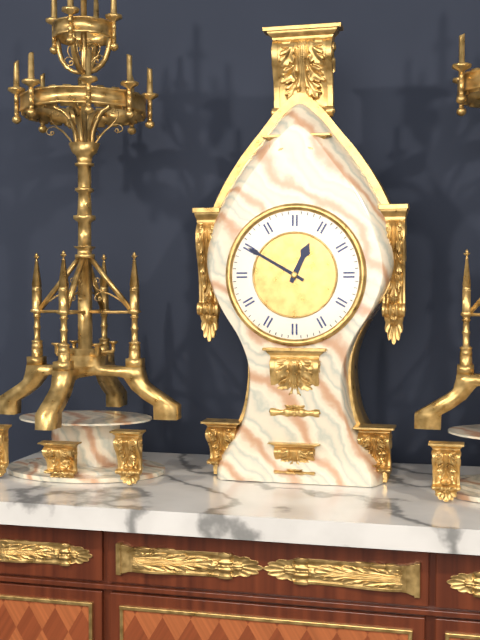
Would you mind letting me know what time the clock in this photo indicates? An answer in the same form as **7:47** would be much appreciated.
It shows **12:50**
